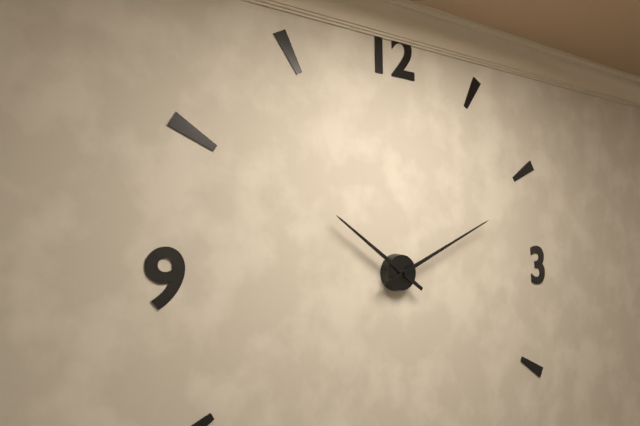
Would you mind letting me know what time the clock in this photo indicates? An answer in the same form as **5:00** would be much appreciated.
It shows **10:11**
